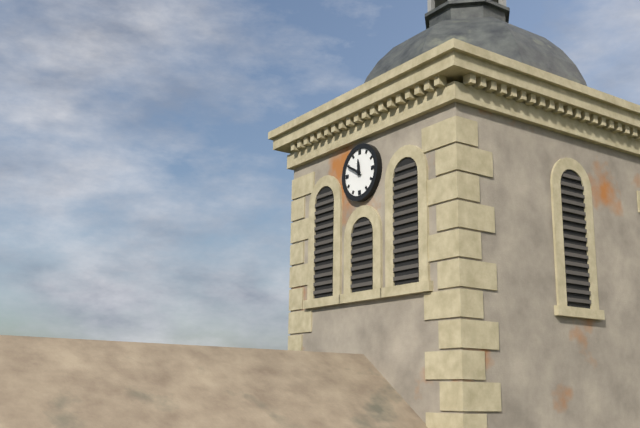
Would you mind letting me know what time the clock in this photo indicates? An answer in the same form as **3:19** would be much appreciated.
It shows **11:50**
